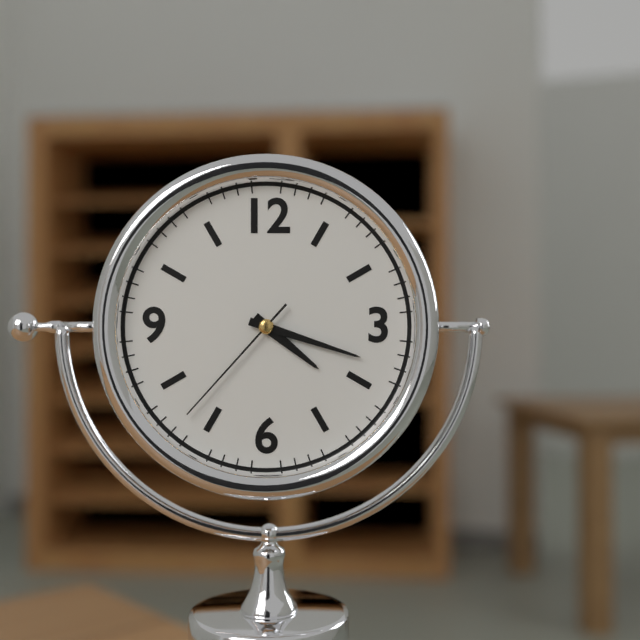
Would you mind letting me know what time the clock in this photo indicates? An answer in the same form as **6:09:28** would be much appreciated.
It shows **4:18:37**
